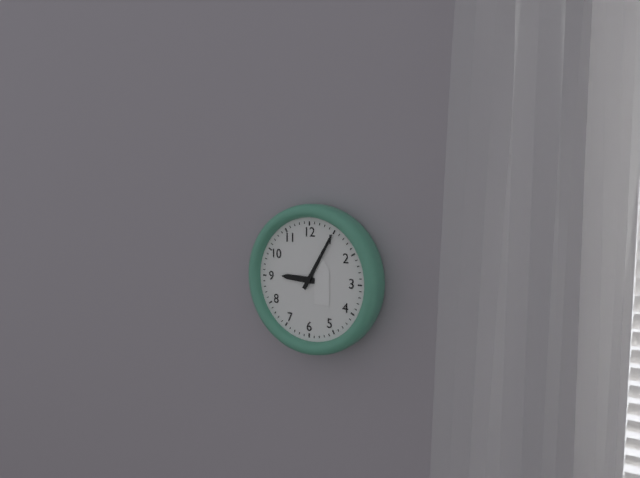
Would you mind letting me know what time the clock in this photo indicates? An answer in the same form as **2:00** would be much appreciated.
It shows **9:05**
